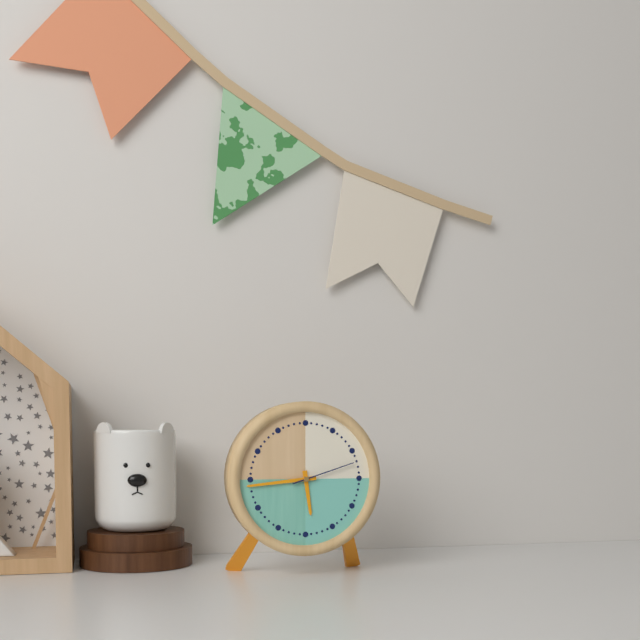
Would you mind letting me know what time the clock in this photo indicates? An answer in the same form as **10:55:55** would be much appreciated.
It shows **5:44:12**
